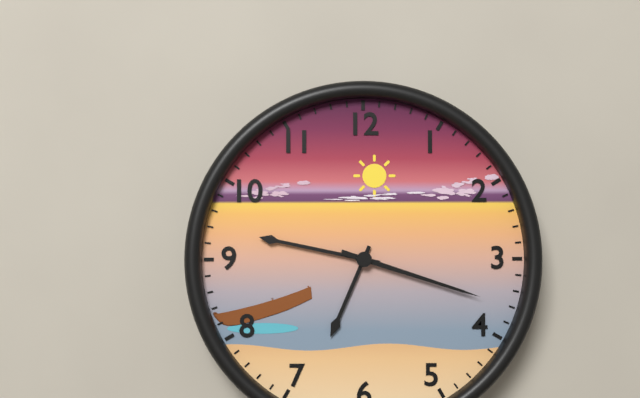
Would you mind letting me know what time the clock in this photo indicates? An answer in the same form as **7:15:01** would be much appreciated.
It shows **6:47:18**
